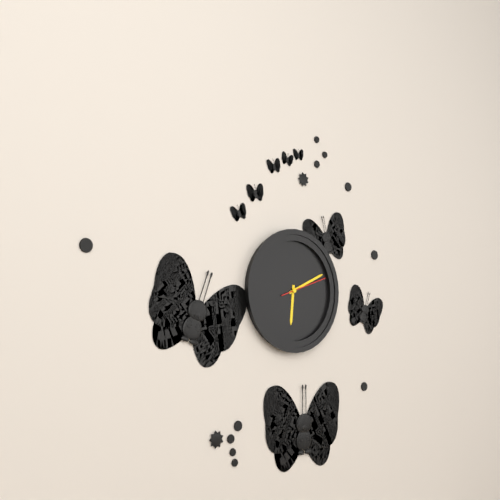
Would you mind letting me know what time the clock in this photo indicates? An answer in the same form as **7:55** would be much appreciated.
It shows **6:11**
